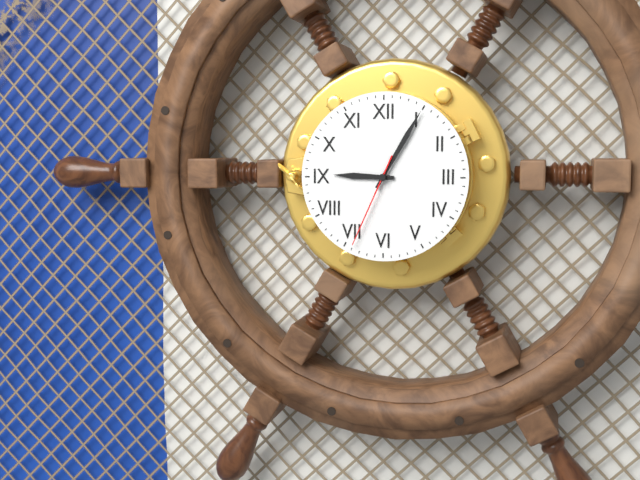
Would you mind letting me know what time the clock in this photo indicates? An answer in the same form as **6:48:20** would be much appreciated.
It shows **9:05:34**
